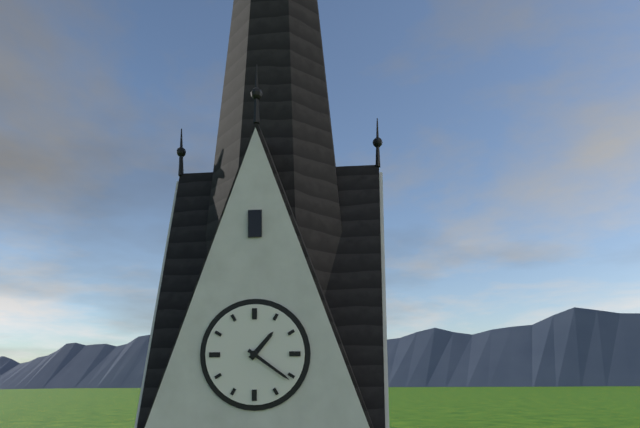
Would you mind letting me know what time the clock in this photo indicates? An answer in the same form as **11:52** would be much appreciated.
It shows **1:21**
